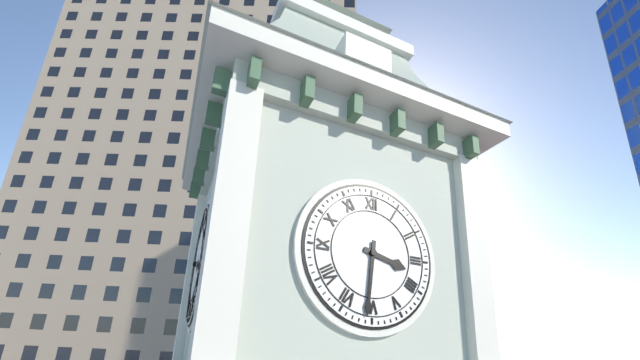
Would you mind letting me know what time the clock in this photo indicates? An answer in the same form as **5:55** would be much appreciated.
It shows **3:31**
